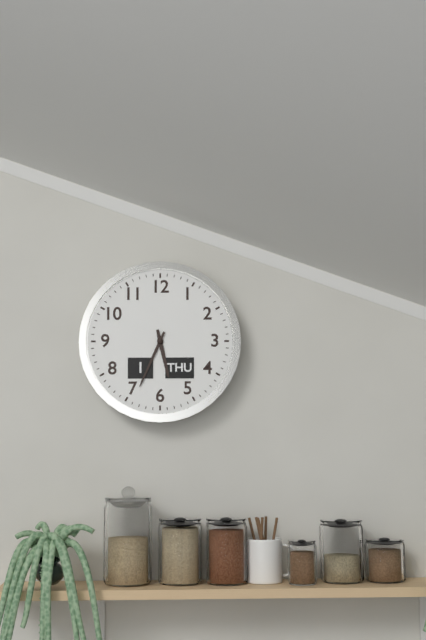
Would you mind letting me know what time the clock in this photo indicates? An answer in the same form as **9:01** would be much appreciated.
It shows **5:34**
